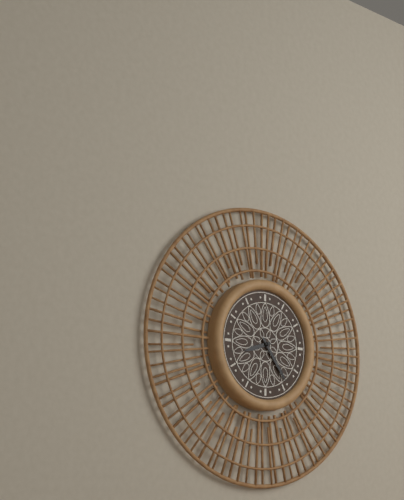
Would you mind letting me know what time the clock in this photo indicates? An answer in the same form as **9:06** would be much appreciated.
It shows **8:24**
